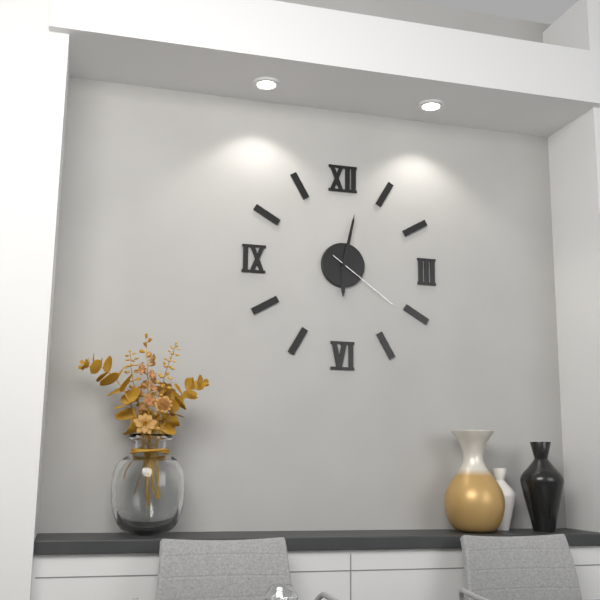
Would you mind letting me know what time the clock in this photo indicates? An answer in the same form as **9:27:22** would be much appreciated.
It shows **6:02:21**
